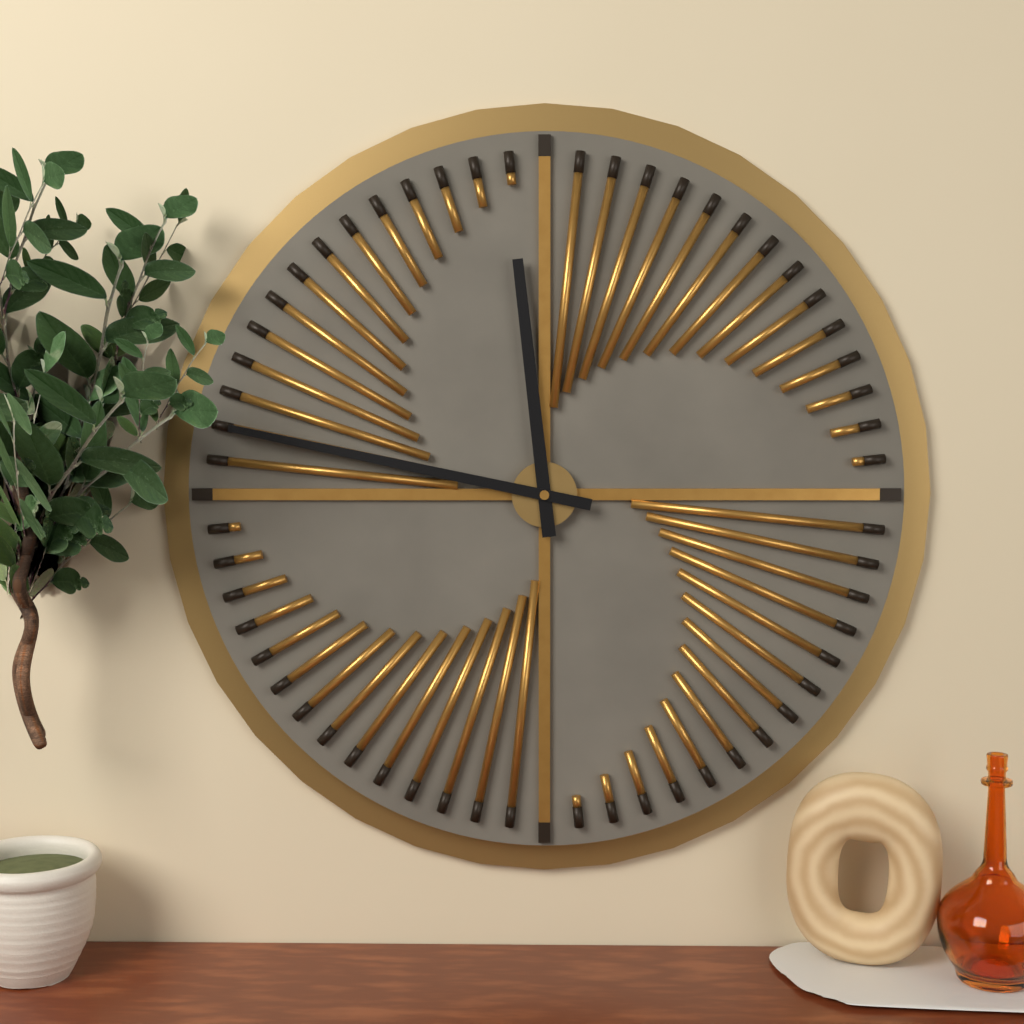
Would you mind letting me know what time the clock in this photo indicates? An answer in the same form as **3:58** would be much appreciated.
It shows **11:47**
